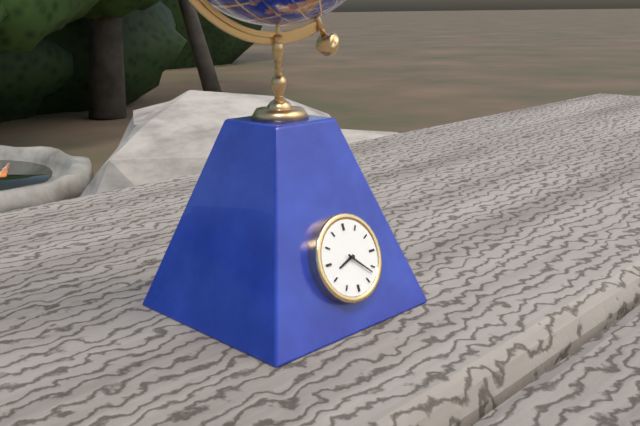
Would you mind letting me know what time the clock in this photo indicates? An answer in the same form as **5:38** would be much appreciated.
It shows **8:22**
